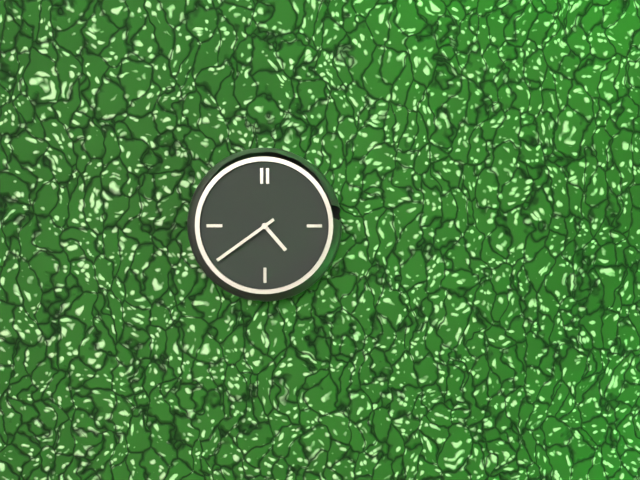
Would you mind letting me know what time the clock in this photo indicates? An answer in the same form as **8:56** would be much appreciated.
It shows **4:39**
